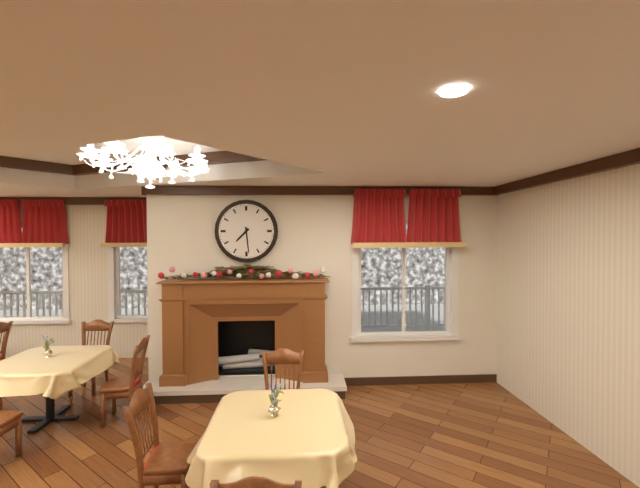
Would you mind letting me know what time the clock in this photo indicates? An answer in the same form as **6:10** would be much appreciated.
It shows **7:29**
